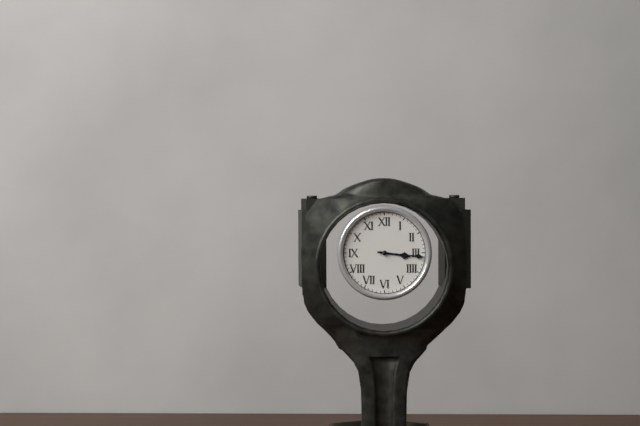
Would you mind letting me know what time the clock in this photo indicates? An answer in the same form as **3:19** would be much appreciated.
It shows **3:16**
